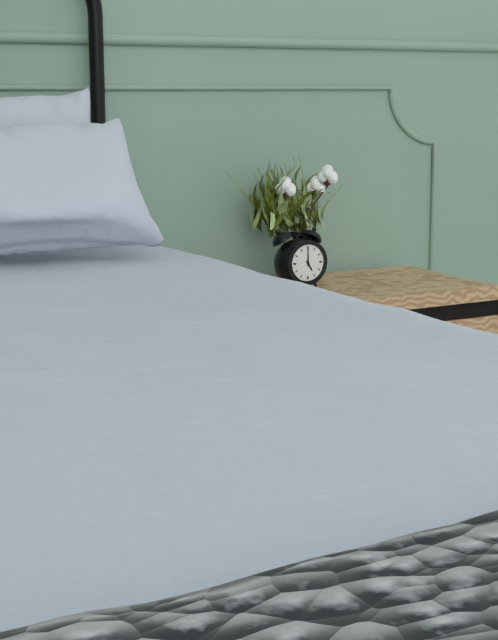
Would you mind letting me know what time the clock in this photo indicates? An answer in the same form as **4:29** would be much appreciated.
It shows **5:00**
